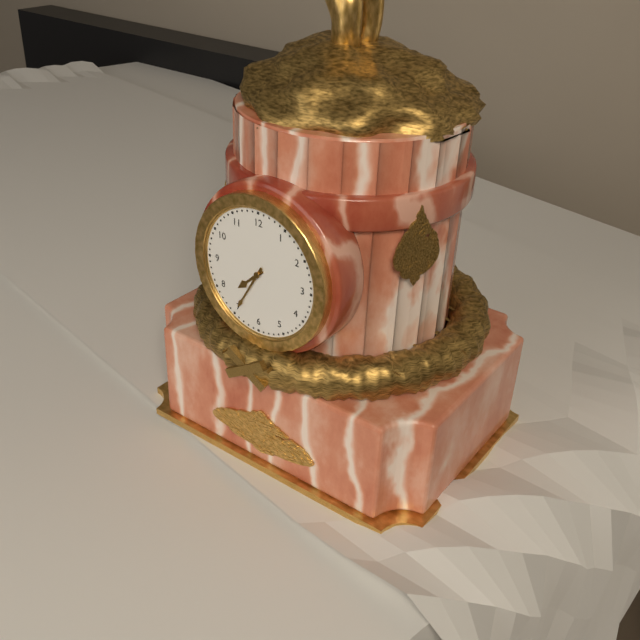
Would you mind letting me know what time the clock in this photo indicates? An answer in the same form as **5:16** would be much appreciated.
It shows **7:35**
